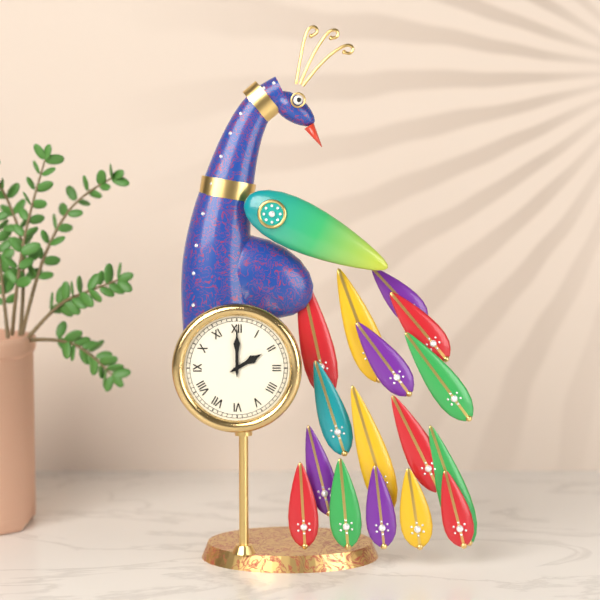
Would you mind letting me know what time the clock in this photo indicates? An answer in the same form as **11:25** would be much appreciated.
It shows **2:00**
